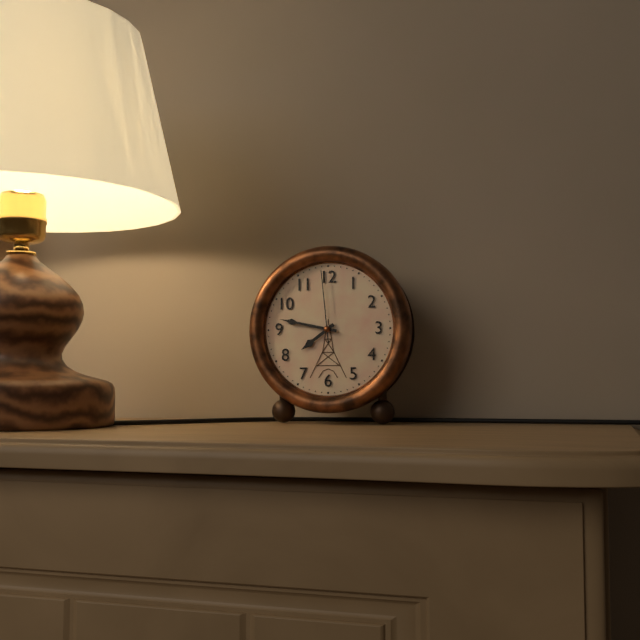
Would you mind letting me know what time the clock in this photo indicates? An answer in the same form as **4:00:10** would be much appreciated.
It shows **7:47:59**
